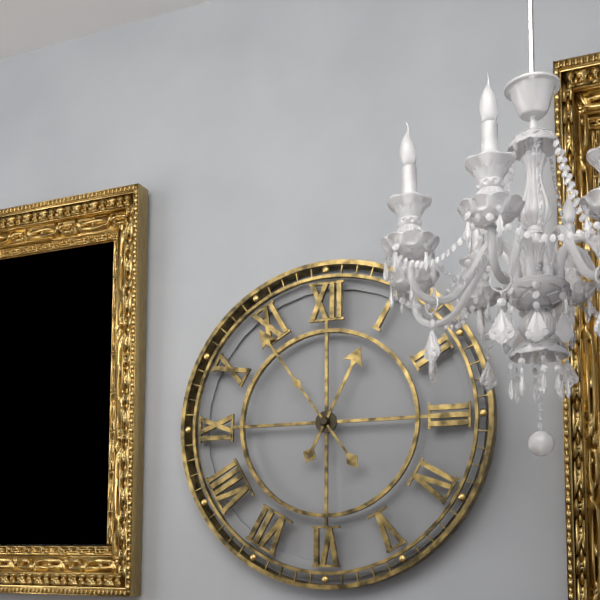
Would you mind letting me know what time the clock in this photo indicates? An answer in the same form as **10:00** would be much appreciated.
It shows **12:54**
